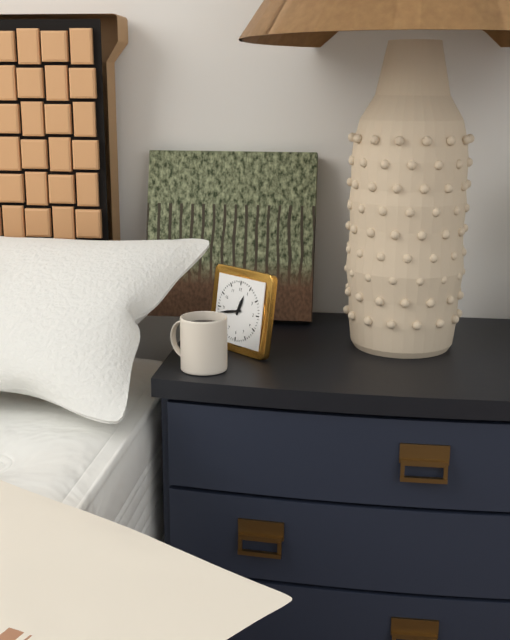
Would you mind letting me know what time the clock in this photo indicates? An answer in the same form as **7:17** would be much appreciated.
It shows **12:43**
